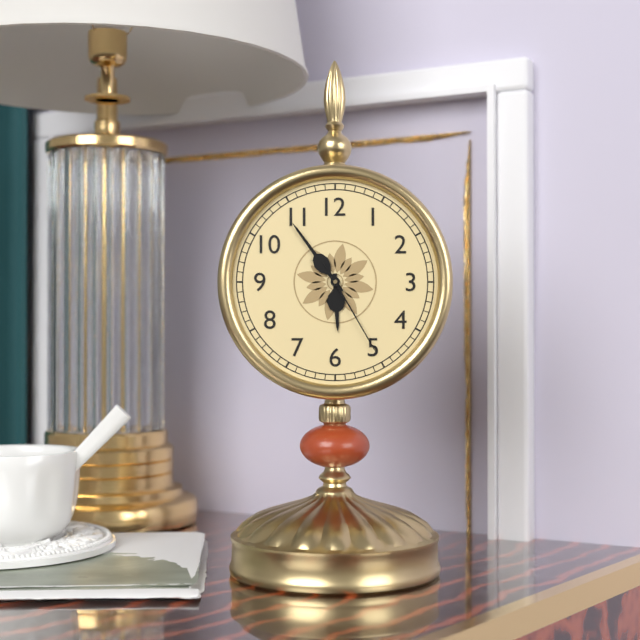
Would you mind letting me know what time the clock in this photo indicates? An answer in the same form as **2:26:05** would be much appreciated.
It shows **5:54:25**
